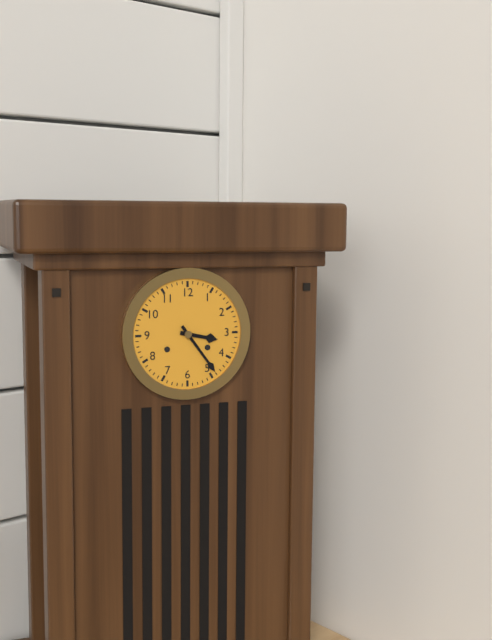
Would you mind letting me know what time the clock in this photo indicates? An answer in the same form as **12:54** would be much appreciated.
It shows **3:24**
